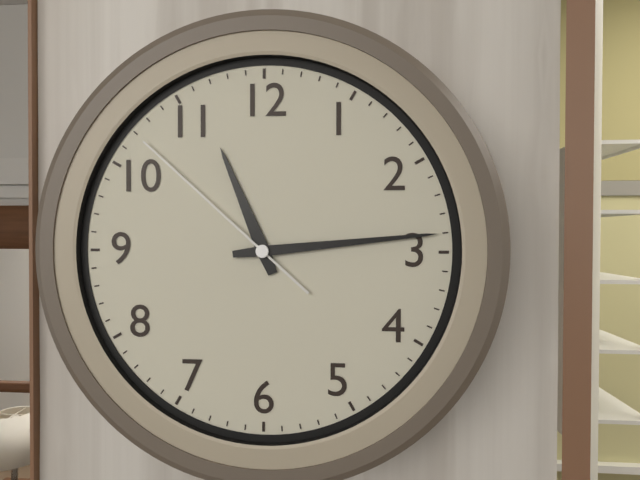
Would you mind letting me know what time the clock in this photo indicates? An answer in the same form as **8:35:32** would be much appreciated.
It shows **11:14:52**
